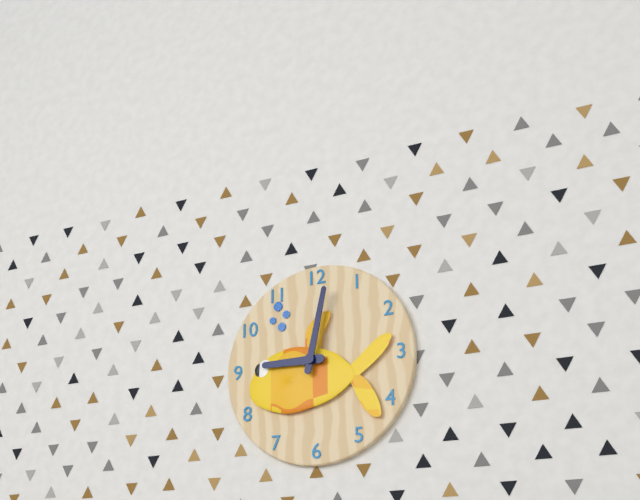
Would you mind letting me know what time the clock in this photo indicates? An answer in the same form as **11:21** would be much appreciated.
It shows **9:02**
